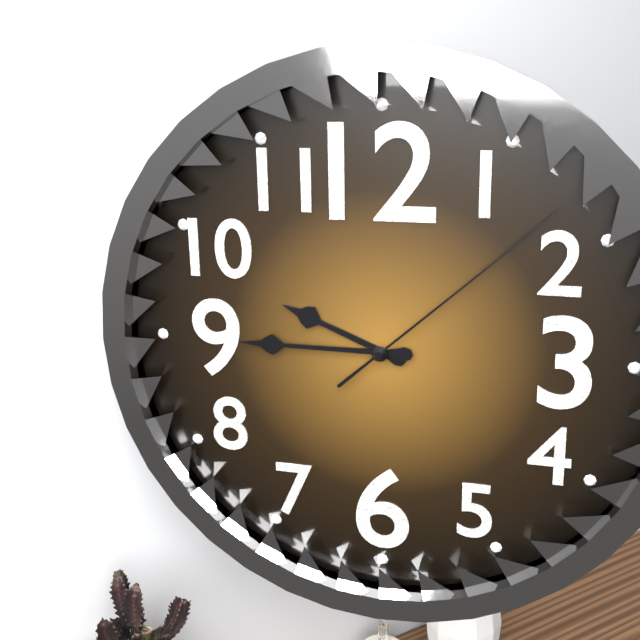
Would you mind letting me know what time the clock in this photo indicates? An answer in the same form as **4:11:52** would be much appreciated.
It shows **9:45:08**
